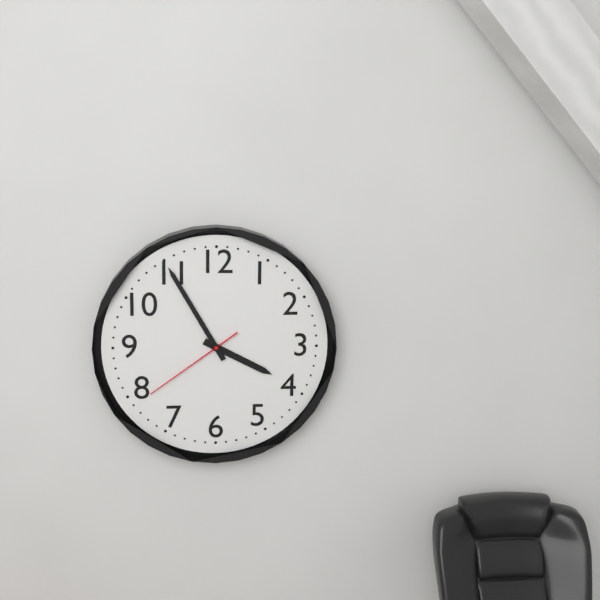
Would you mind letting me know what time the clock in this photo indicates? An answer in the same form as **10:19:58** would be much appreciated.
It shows **3:55:39**
